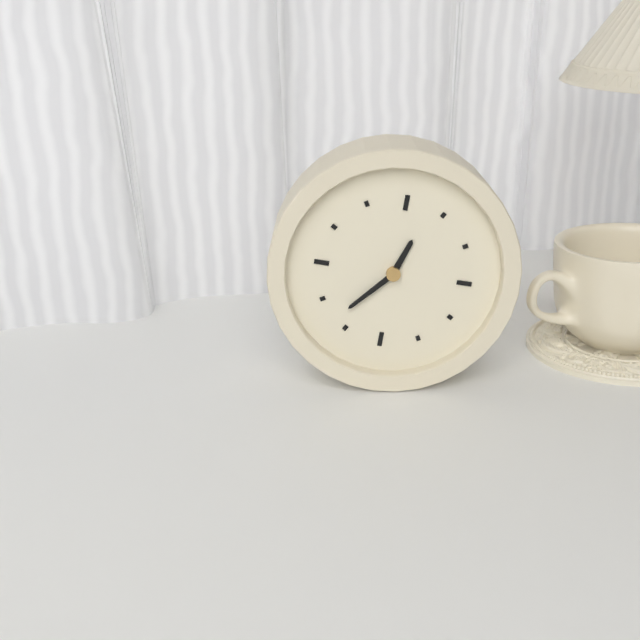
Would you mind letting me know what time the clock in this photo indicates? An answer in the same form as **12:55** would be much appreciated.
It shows **12:37**
